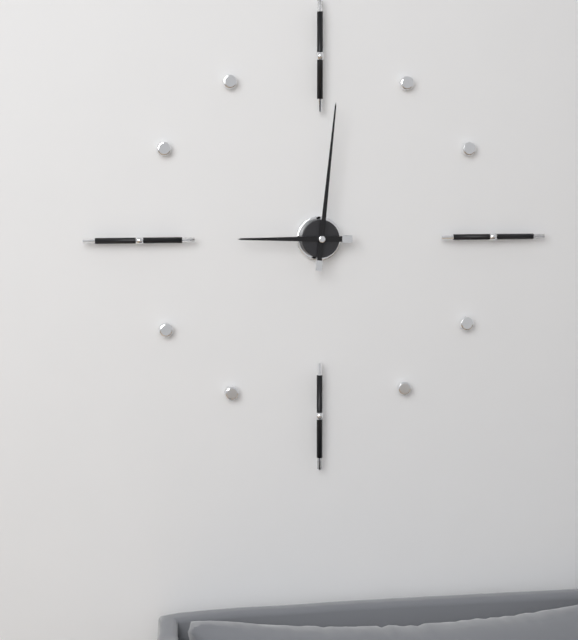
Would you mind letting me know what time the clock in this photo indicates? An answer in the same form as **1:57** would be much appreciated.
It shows **9:01**
